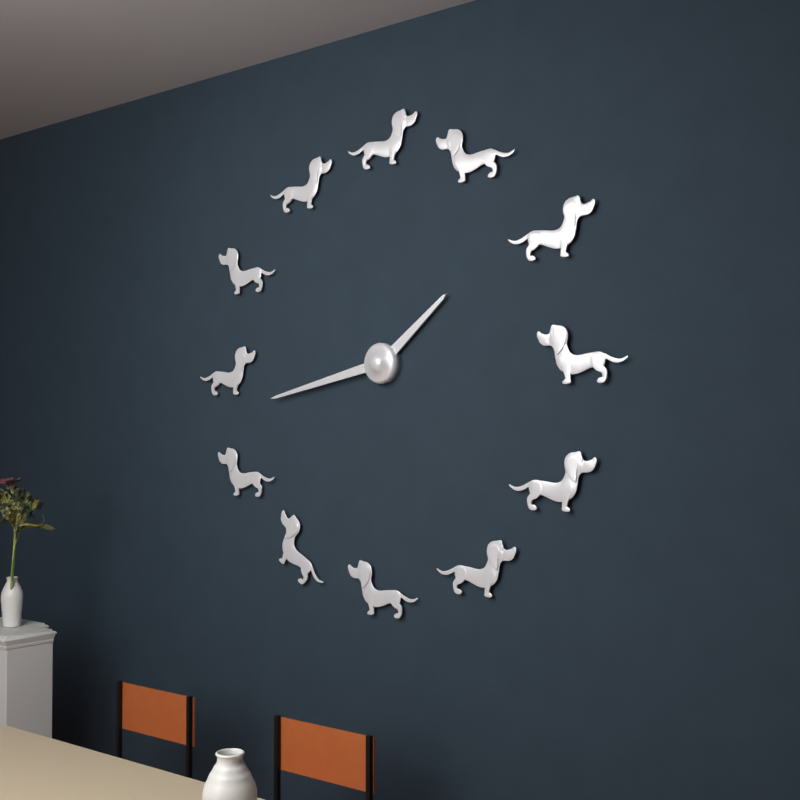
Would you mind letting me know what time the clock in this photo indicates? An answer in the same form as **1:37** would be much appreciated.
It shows **1:43**
